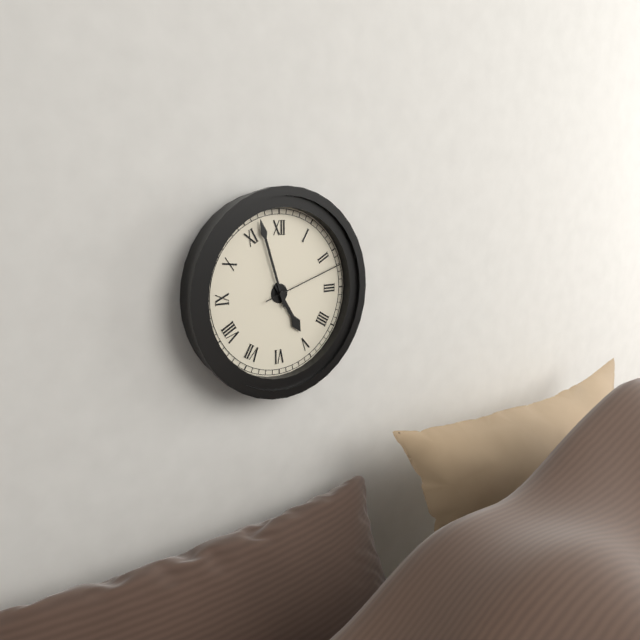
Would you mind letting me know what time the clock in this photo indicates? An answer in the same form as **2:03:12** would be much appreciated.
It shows **4:57:12**
